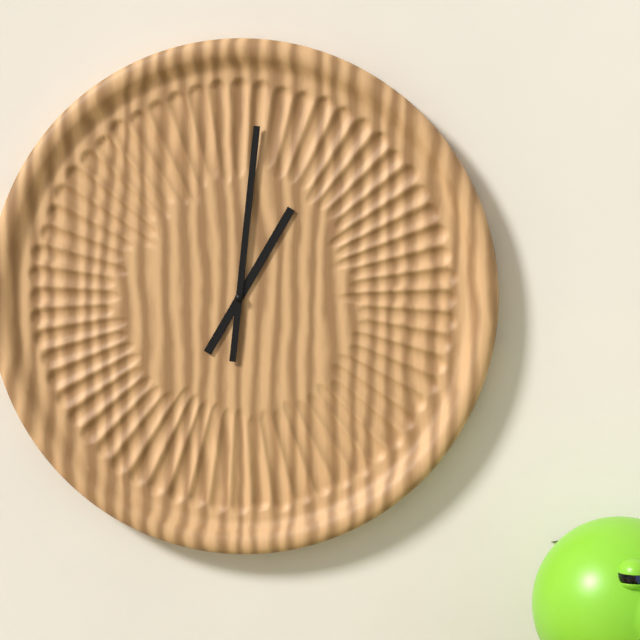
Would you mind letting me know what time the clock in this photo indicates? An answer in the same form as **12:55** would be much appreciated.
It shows **1:01**
